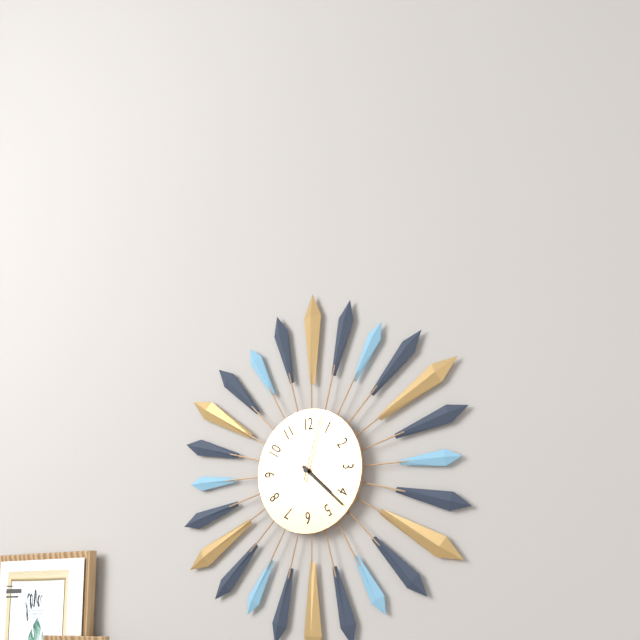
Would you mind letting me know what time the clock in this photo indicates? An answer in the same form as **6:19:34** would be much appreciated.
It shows **4:22:03**
